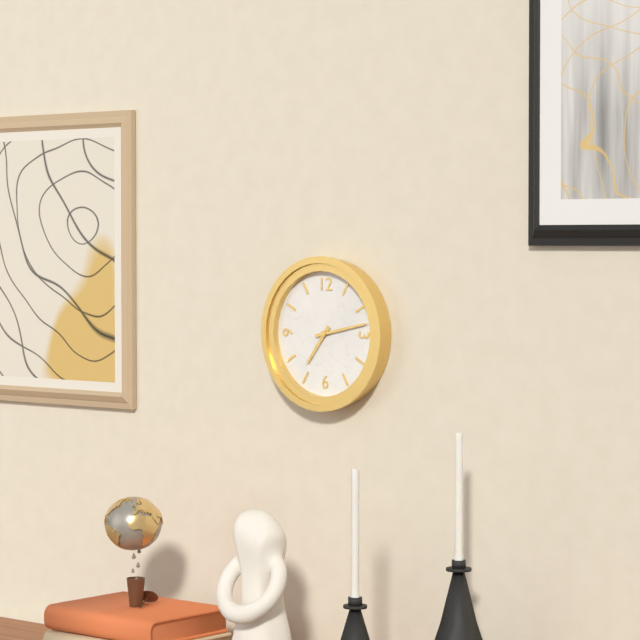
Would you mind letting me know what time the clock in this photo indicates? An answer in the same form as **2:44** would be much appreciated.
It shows **7:13**
